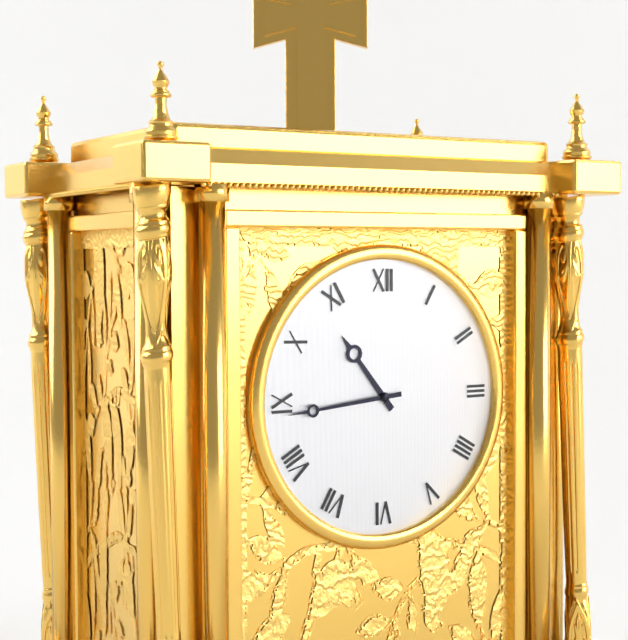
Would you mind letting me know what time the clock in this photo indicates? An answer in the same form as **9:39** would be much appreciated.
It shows **10:44**
